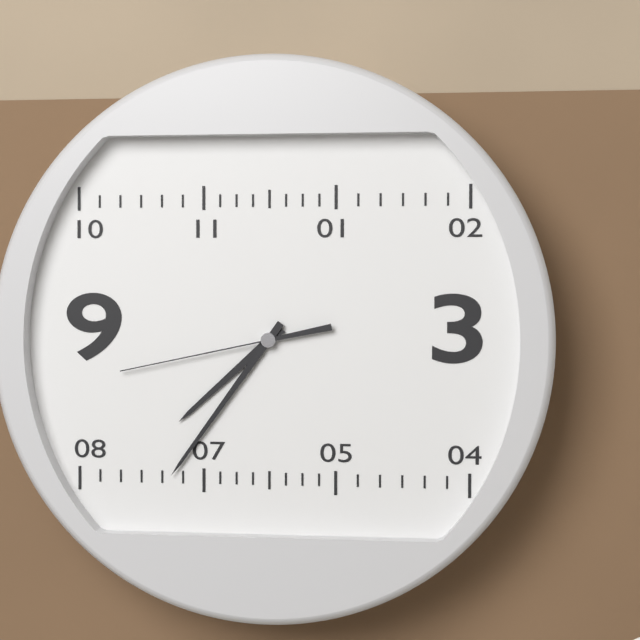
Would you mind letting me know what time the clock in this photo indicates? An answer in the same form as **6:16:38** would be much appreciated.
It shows **7:36:43**
